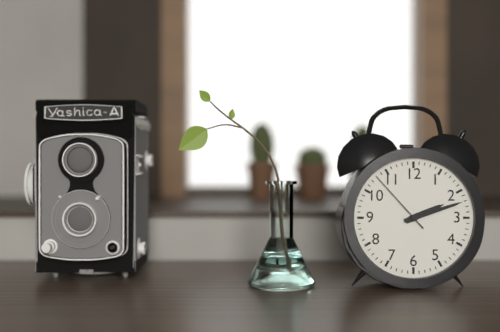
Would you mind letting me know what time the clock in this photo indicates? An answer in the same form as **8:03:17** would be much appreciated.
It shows **2:12:53**
